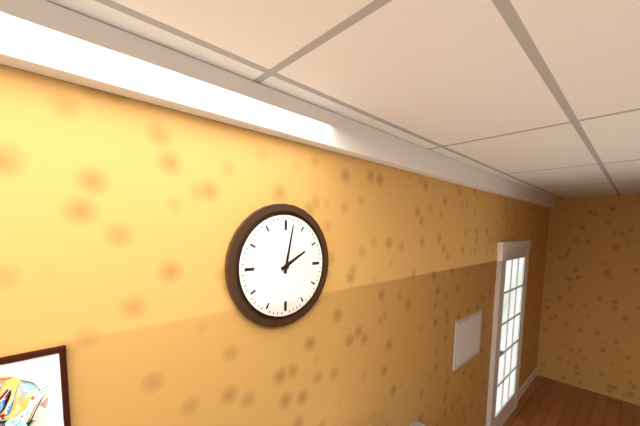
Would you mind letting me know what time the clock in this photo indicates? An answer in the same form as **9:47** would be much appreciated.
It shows **2:02**
